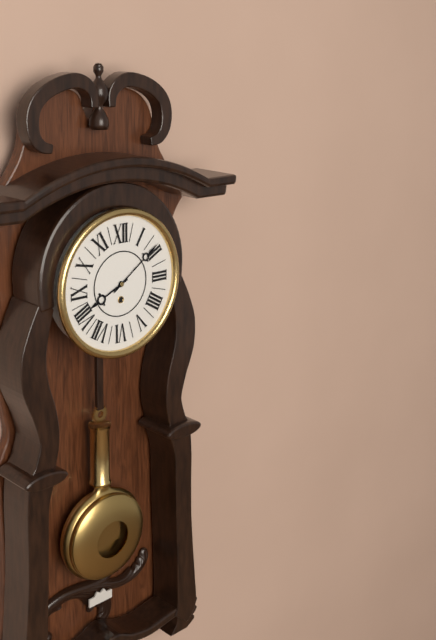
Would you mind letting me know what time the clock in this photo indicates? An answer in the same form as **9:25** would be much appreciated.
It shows **8:09**
